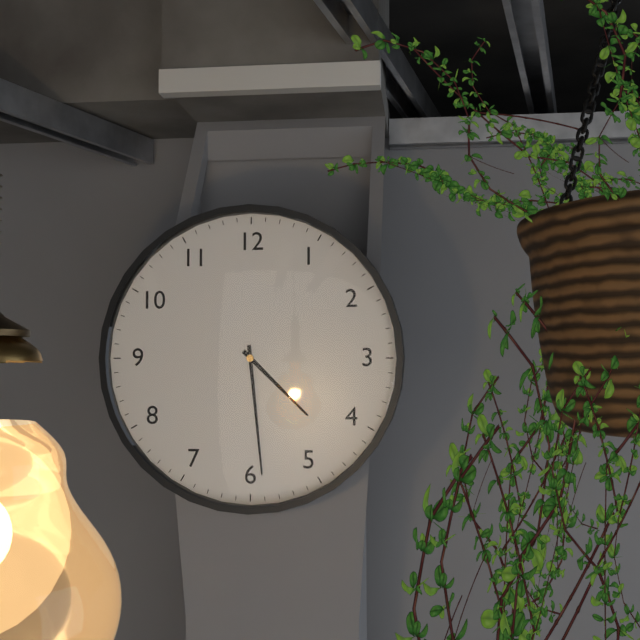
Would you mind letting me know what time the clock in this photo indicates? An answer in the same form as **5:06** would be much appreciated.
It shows **4:29**
